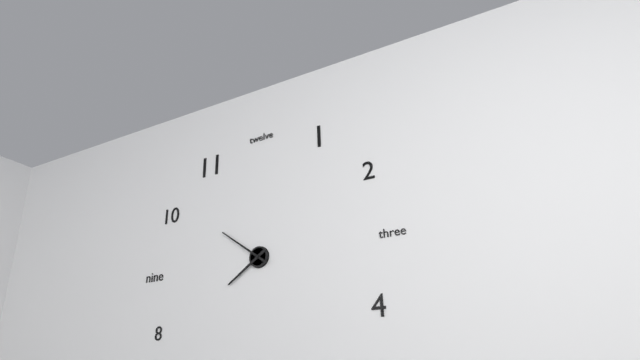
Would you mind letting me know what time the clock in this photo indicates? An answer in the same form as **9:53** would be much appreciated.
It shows **7:51**
